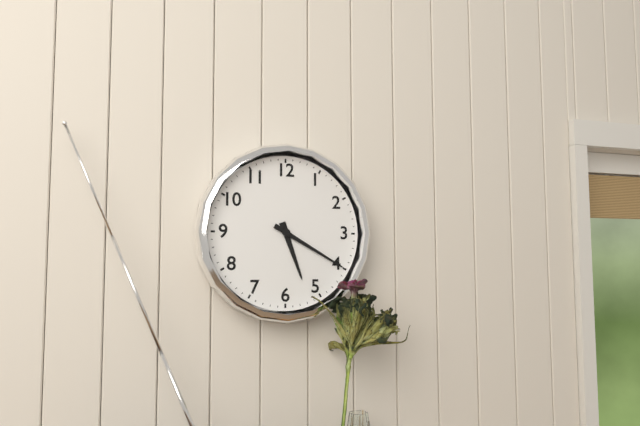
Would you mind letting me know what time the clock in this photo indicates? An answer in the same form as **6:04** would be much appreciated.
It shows **5:20**
